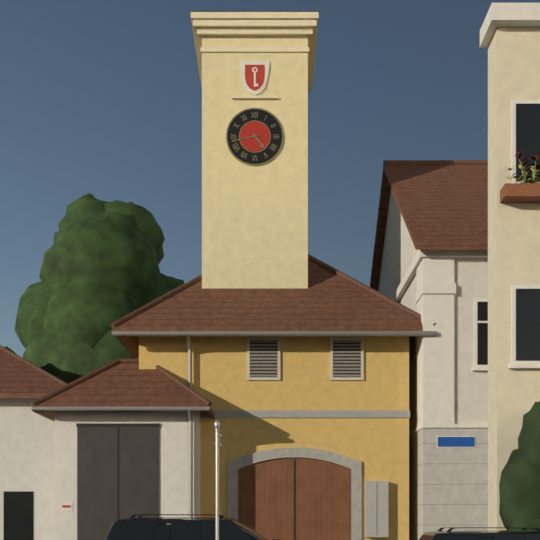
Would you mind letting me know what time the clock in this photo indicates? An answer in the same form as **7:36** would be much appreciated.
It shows **4:43**
